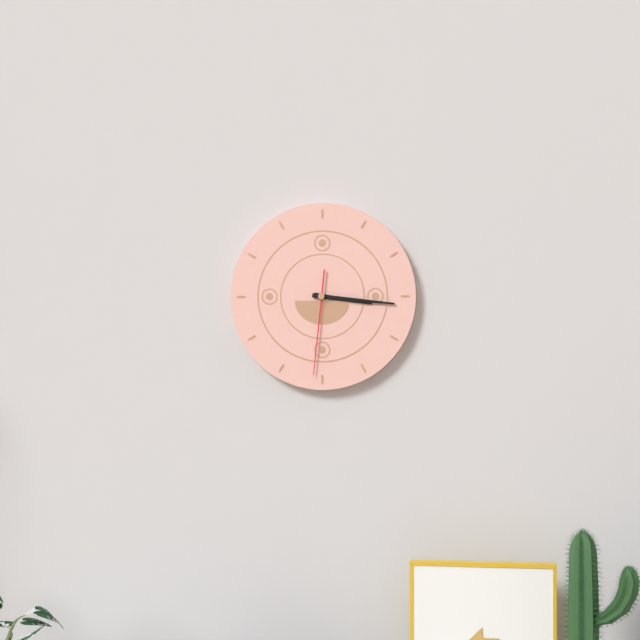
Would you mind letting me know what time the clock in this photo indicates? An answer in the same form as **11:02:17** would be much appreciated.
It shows **3:16:31**
